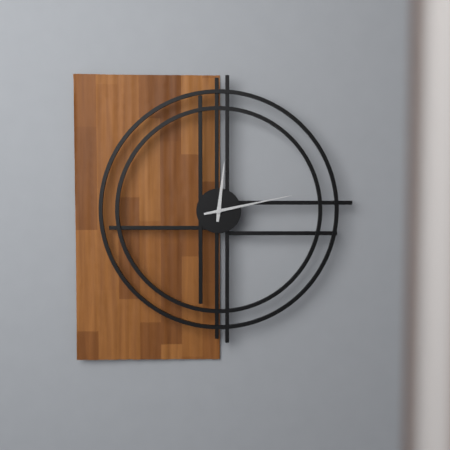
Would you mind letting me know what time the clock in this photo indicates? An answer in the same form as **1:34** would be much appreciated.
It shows **12:13**
